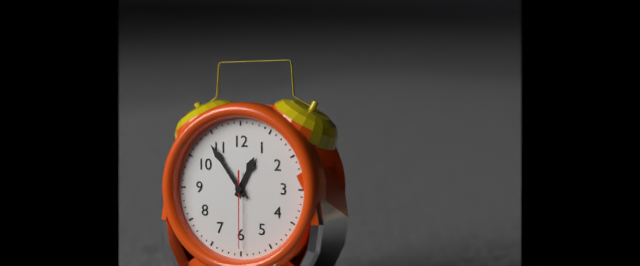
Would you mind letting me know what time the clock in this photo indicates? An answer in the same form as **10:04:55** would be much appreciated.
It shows **12:54:30**
